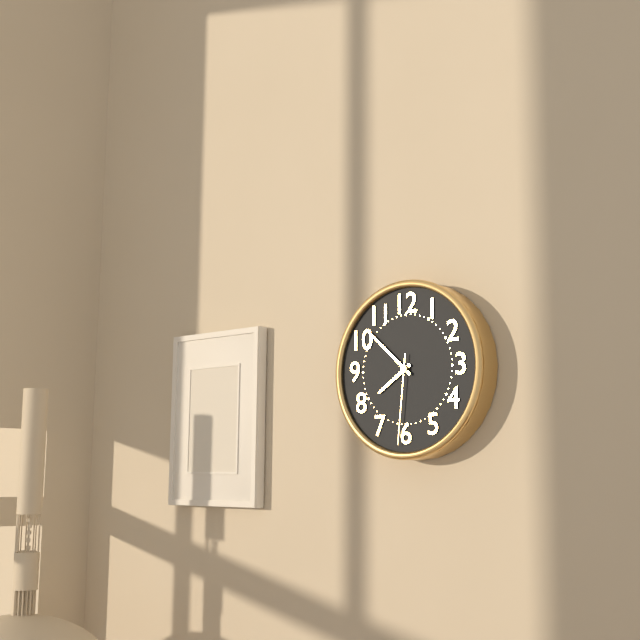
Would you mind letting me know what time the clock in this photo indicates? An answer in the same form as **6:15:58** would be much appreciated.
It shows **7:52:31**
